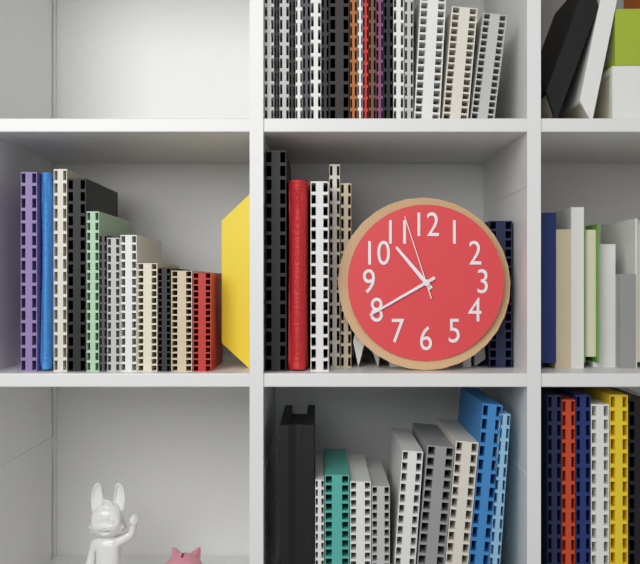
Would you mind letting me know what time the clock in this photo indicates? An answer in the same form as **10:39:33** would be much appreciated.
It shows **10:40:57**
